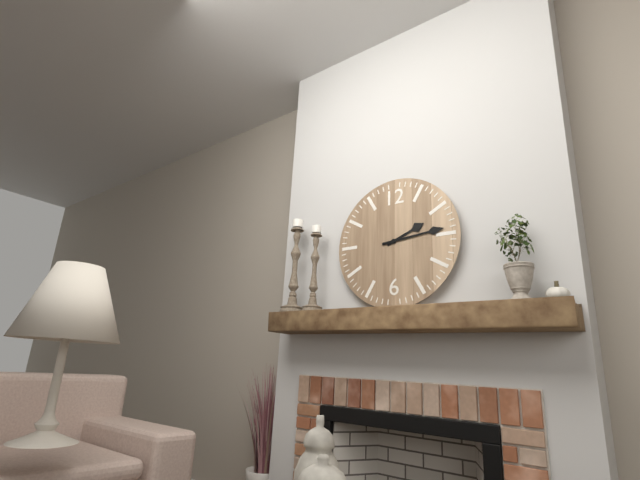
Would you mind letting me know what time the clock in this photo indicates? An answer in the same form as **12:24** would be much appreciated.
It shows **2:14**
